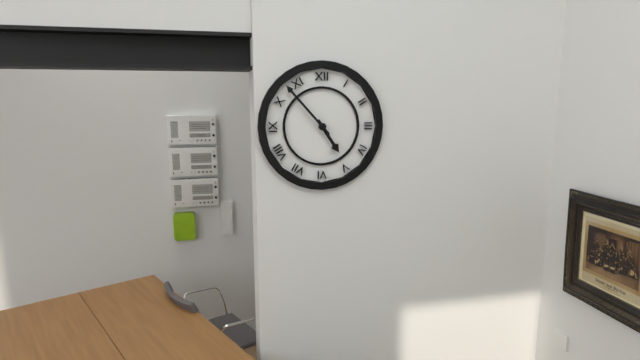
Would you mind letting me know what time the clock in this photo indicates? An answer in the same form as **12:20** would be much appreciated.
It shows **4:53**
